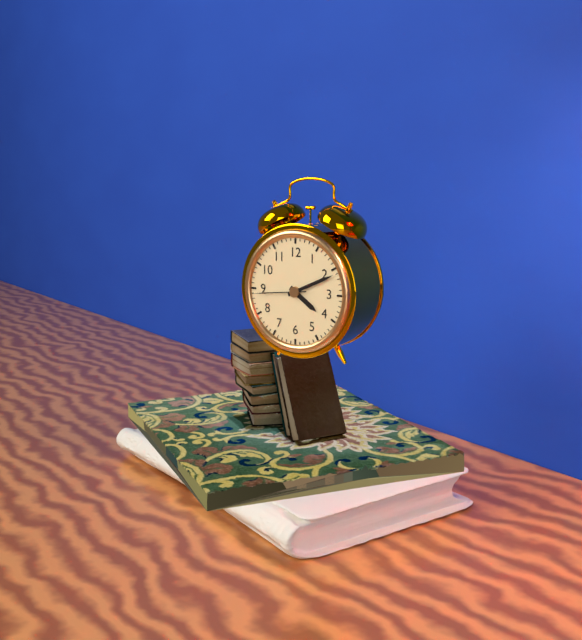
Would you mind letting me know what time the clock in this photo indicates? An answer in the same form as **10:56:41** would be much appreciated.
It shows **4:11:44**
